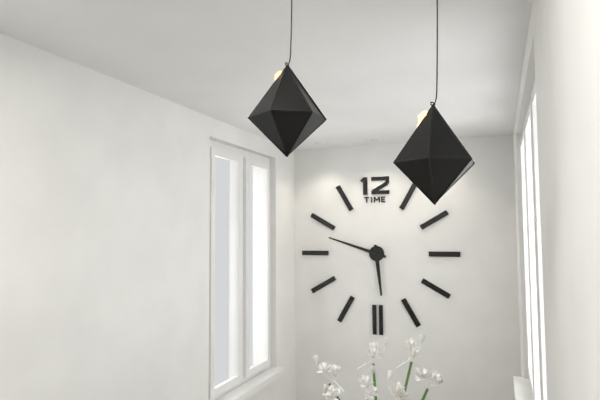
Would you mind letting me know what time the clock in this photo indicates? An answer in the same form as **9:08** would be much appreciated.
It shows **5:48**
